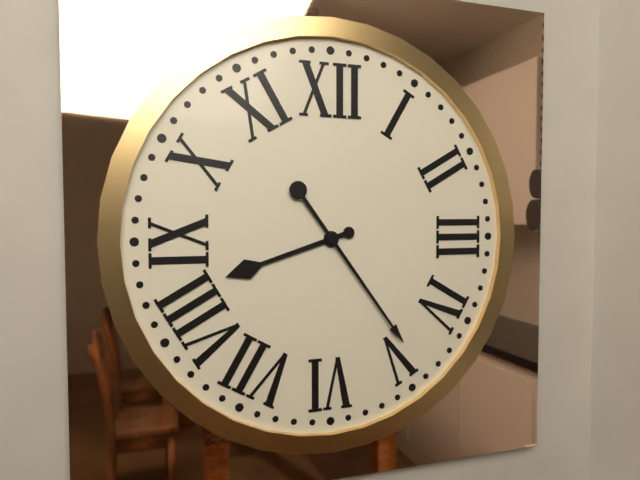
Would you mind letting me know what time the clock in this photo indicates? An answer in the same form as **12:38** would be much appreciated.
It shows **8:24**
